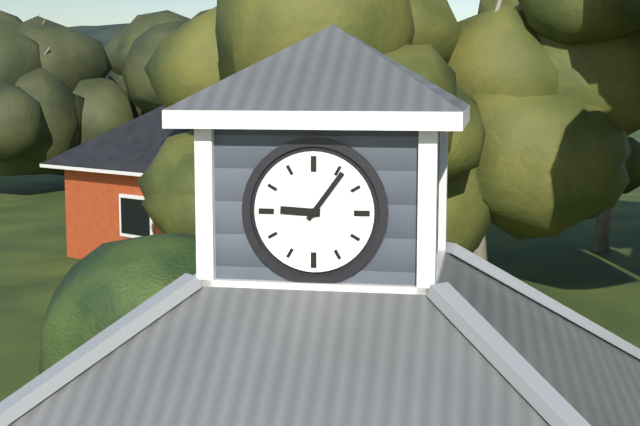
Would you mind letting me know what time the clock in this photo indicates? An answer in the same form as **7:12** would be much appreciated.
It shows **9:06**
